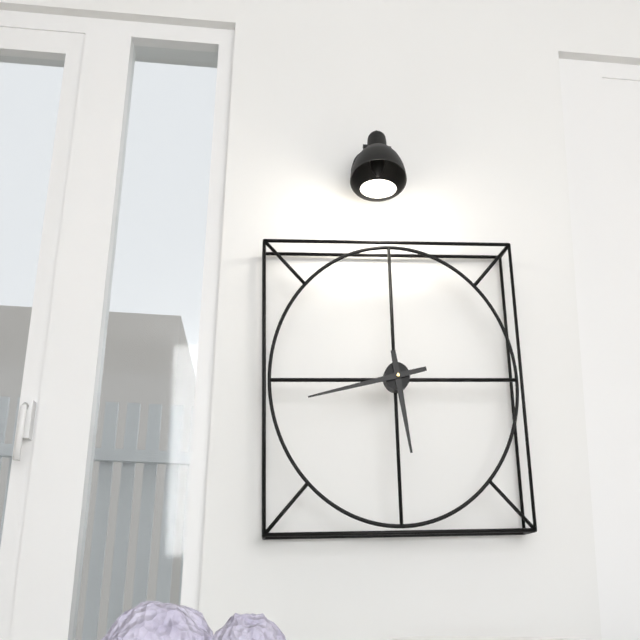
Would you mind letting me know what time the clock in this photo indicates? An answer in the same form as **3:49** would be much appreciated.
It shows **5:43**
